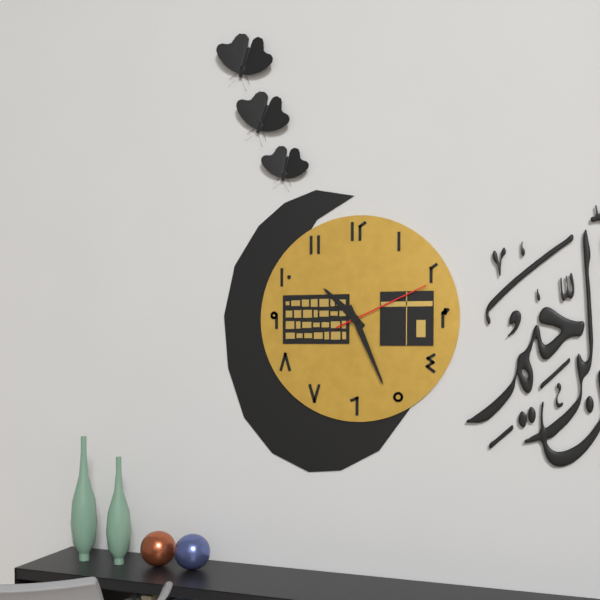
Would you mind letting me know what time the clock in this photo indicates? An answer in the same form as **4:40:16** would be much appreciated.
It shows **10:26:11**
